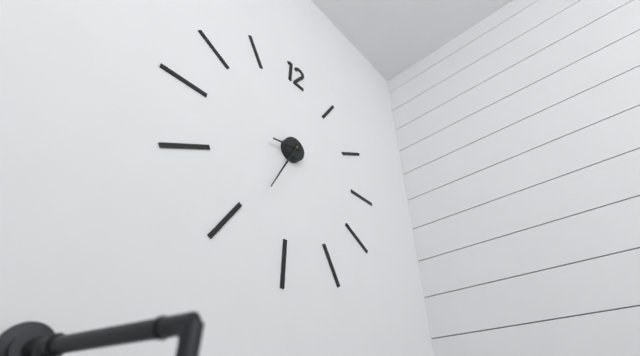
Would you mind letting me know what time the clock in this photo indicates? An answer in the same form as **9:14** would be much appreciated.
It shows **8:34**
